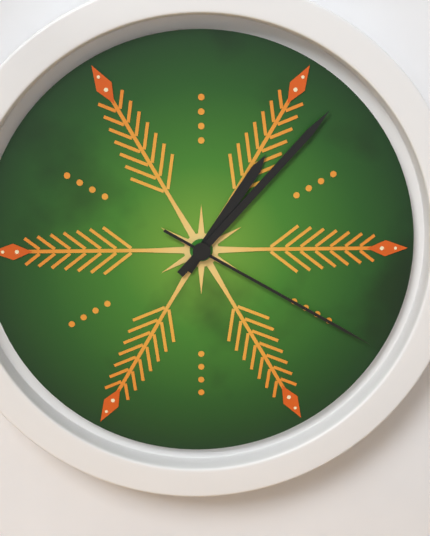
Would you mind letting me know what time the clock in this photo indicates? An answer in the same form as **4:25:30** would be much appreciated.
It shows **1:07:20**
